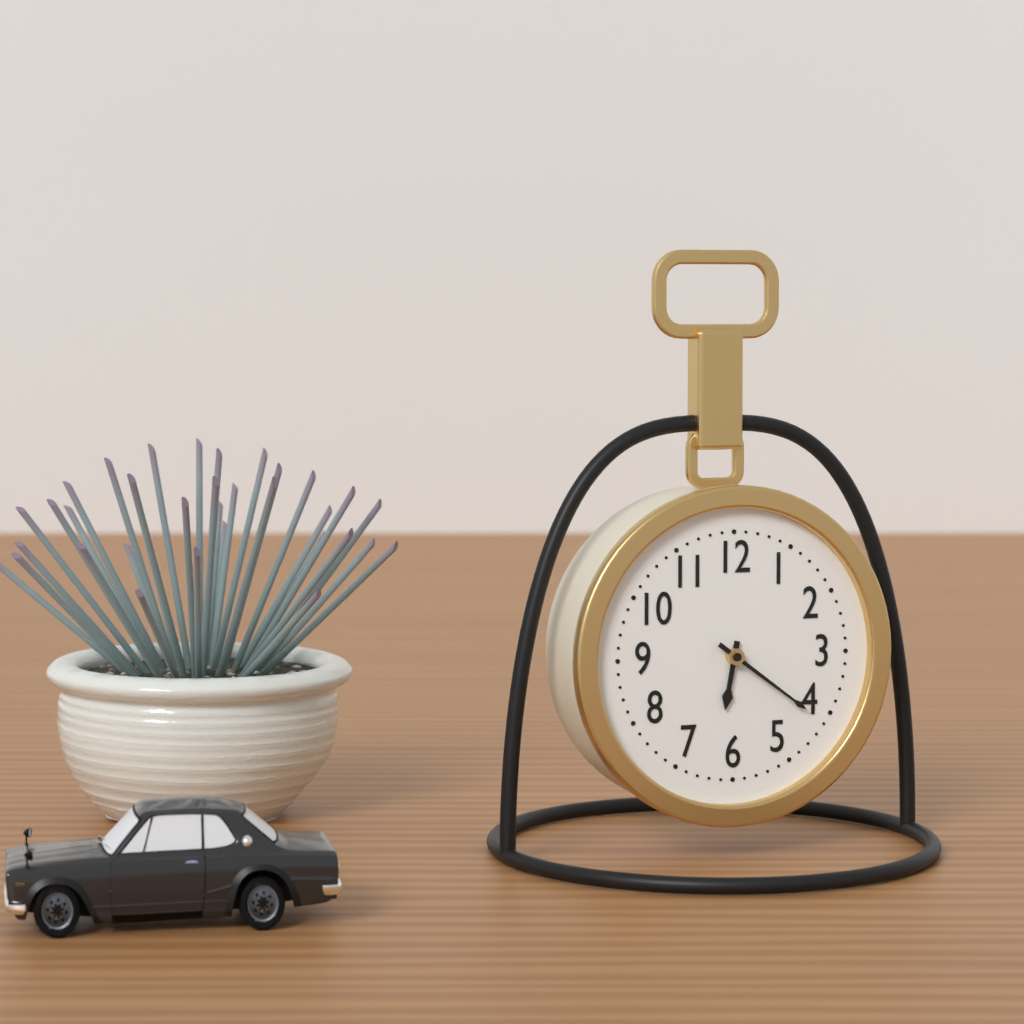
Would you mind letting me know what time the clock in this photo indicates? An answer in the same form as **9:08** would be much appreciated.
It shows **6:21**
